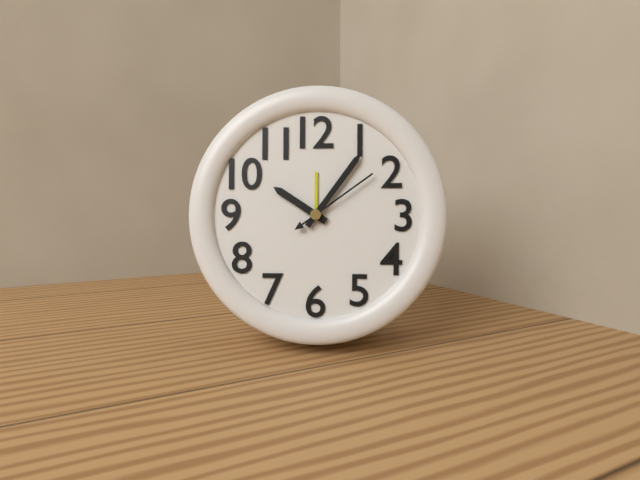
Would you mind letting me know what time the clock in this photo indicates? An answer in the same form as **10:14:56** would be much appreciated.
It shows **10:06:09**
